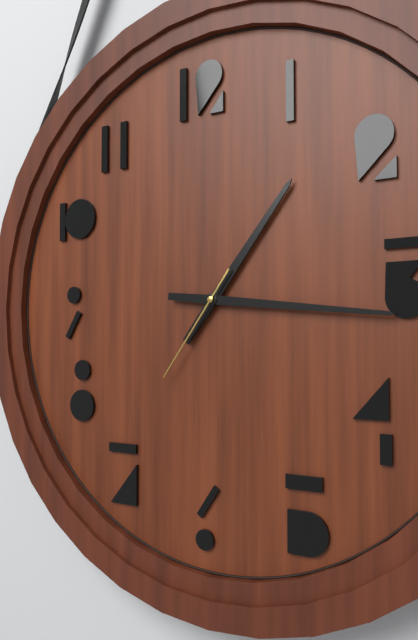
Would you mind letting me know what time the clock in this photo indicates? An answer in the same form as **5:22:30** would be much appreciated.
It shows **1:16:36**
